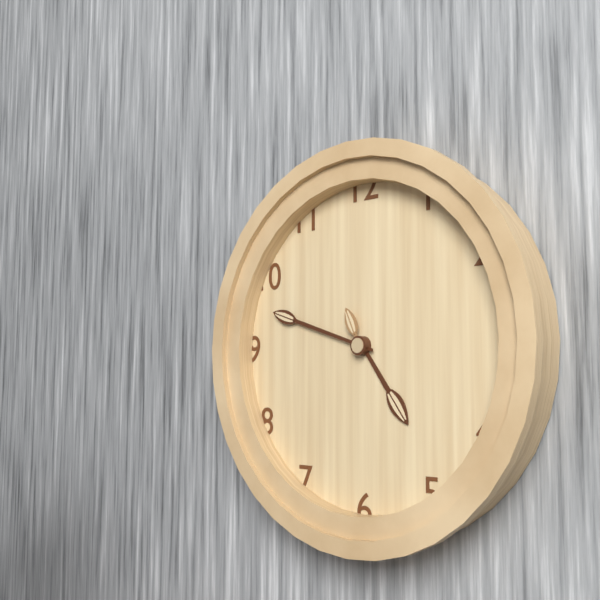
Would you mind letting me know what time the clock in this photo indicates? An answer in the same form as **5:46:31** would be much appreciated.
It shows **4:48:56**
